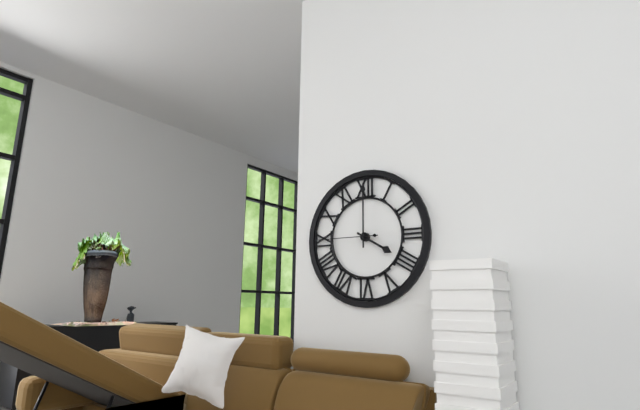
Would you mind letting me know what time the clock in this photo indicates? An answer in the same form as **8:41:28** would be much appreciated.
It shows **4:00:45**
